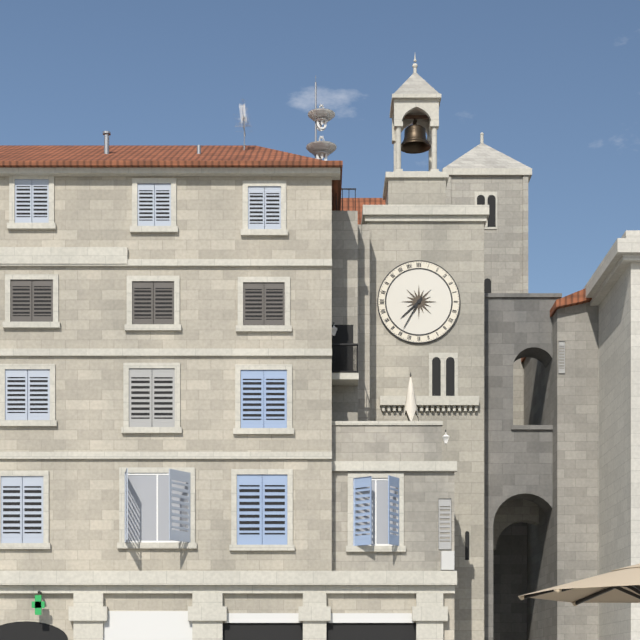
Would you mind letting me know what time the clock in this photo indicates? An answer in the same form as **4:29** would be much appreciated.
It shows **7:35**
